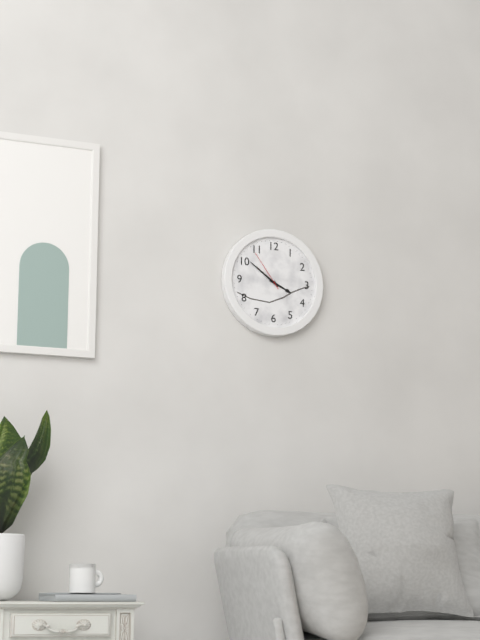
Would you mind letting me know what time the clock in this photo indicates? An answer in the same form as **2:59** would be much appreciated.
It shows **3:51**
